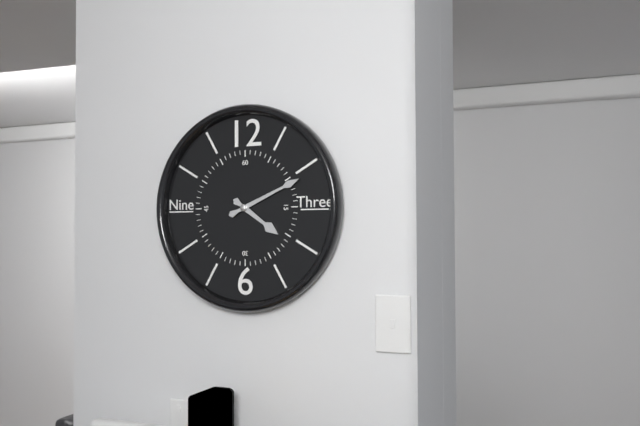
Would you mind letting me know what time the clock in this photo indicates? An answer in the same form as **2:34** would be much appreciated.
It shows **4:11**
